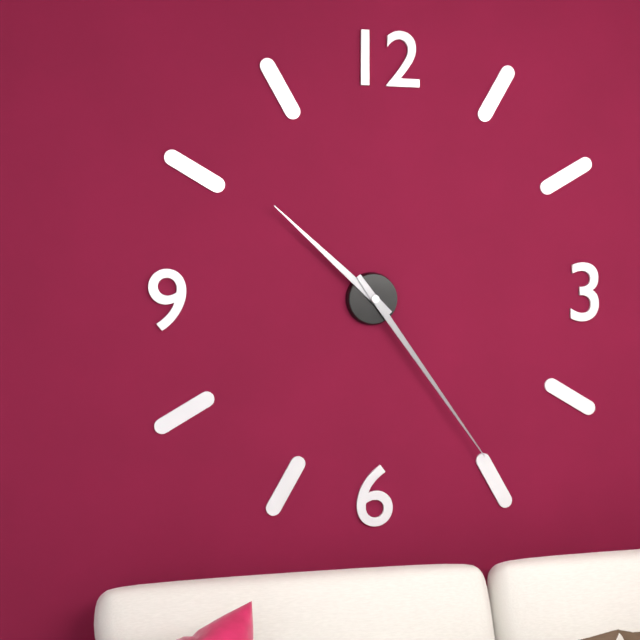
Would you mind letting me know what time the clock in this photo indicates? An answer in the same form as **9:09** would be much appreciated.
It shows **10:24**
